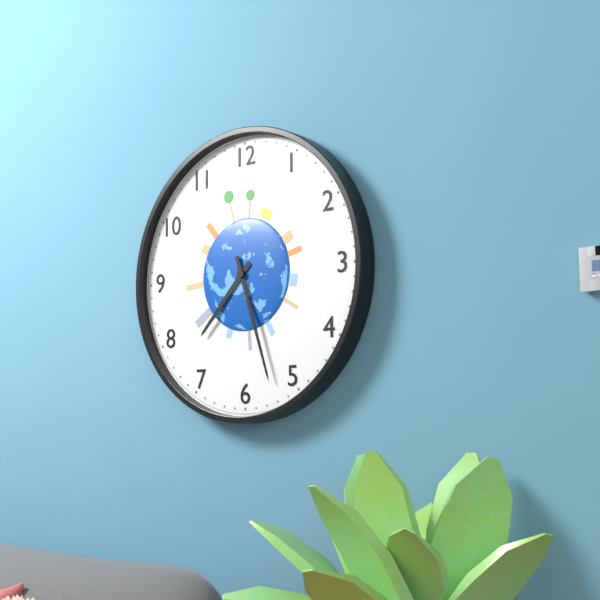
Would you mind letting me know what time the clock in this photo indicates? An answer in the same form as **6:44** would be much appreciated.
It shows **7:27**
